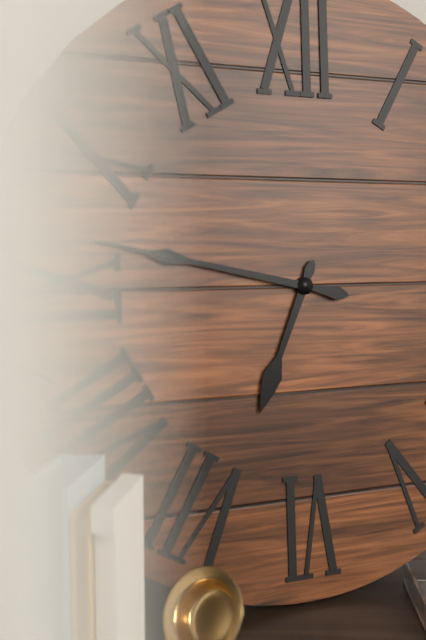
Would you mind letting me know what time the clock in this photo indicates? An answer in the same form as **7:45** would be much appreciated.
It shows **6:47**
